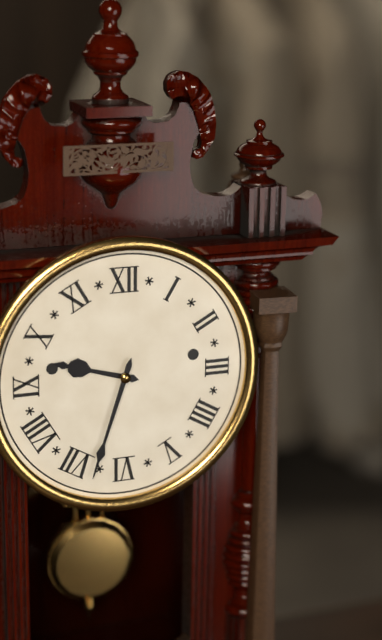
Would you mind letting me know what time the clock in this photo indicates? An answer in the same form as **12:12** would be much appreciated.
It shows **9:33**
